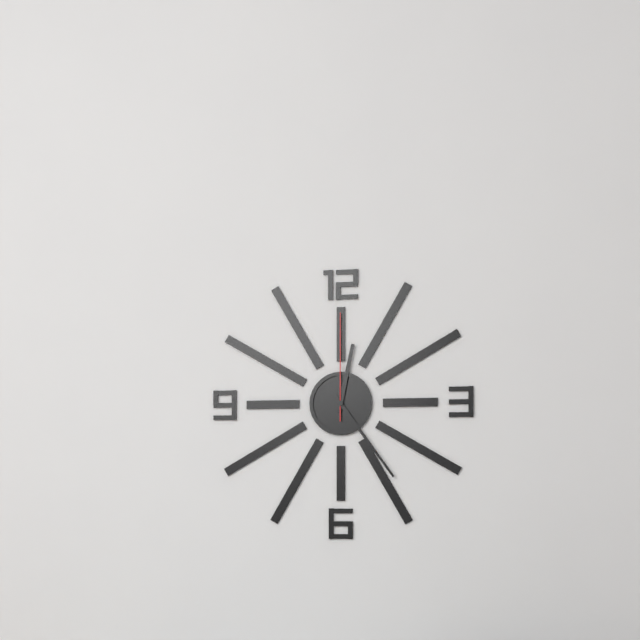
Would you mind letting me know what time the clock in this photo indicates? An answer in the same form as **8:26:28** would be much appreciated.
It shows **12:24:00**
